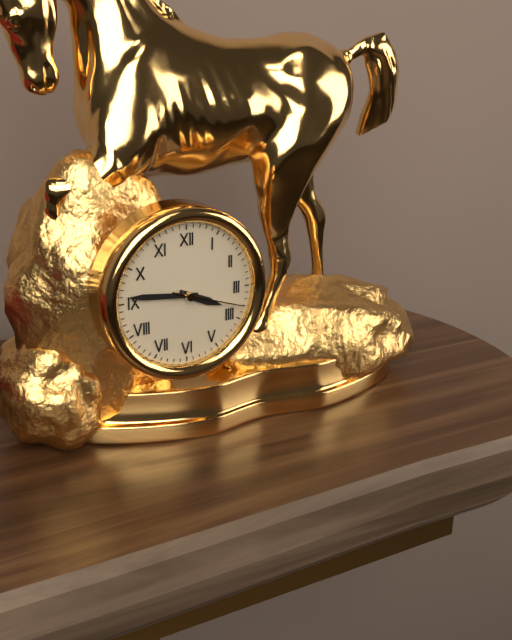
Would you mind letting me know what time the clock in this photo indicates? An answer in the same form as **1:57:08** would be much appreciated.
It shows **3:46:18**
